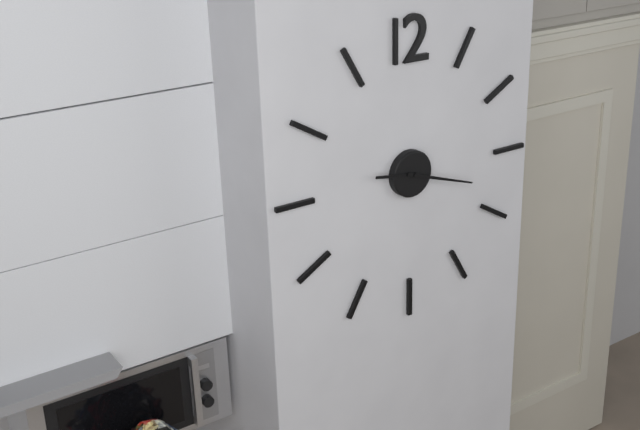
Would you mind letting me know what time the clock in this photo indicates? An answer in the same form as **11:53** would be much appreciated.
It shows **9:18**
